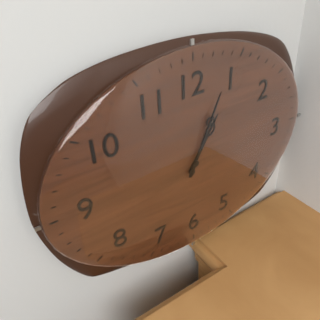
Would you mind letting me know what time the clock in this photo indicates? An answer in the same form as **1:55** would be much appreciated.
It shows **1:04**
